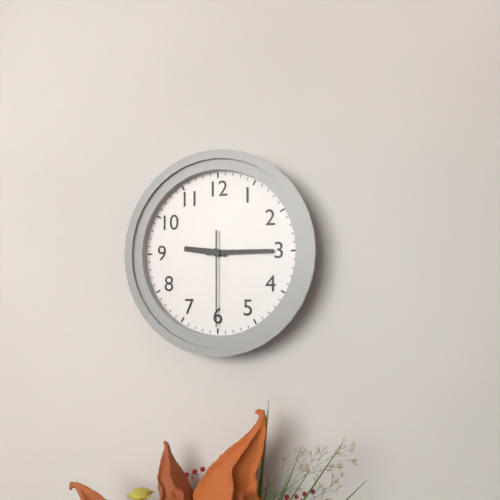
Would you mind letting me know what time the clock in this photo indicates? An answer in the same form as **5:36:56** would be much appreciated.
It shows **9:15:30**
